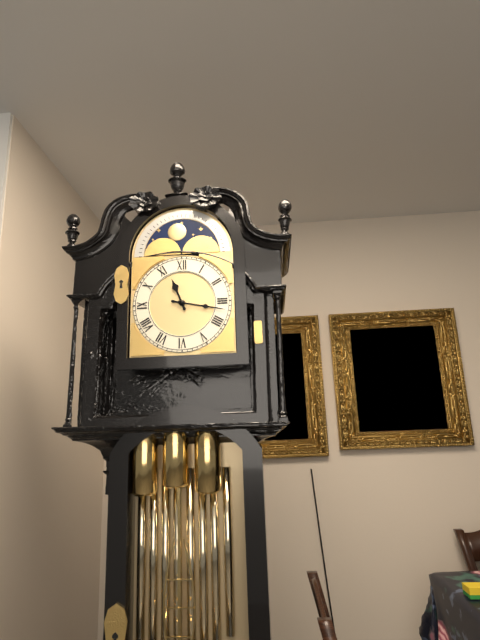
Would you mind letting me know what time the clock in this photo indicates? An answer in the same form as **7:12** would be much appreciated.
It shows **11:17**
